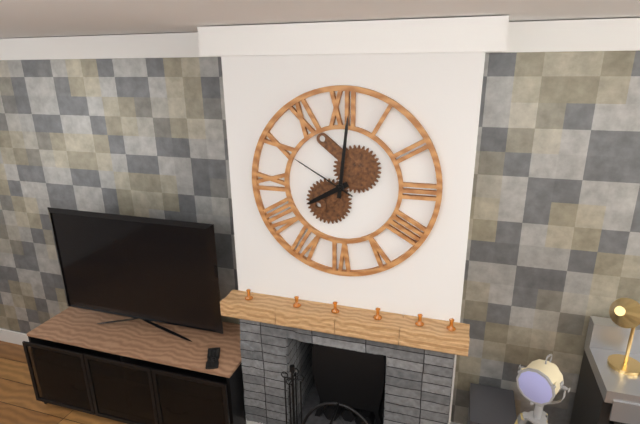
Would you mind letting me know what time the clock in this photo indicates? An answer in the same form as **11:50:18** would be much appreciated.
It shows **8:01:50**
